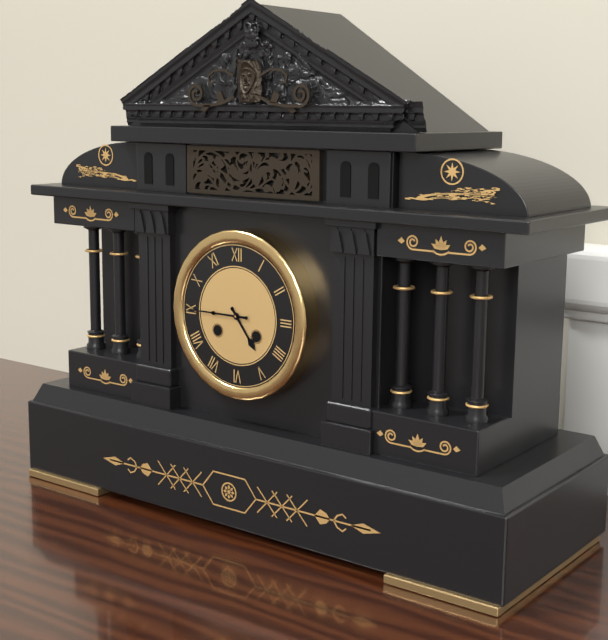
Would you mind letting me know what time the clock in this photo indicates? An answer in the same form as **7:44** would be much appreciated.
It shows **4:45**
